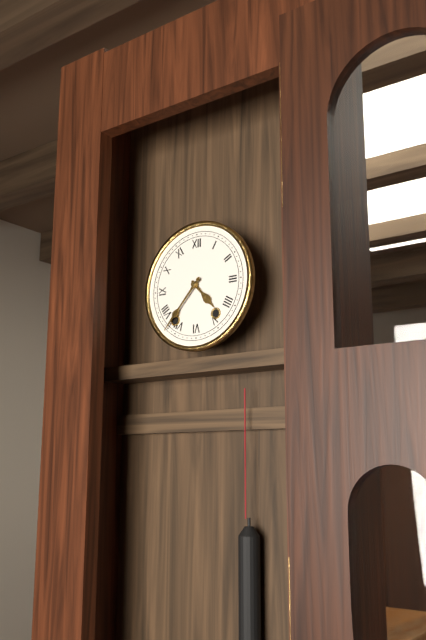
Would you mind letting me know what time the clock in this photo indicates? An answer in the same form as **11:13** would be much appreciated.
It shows **4:37**
